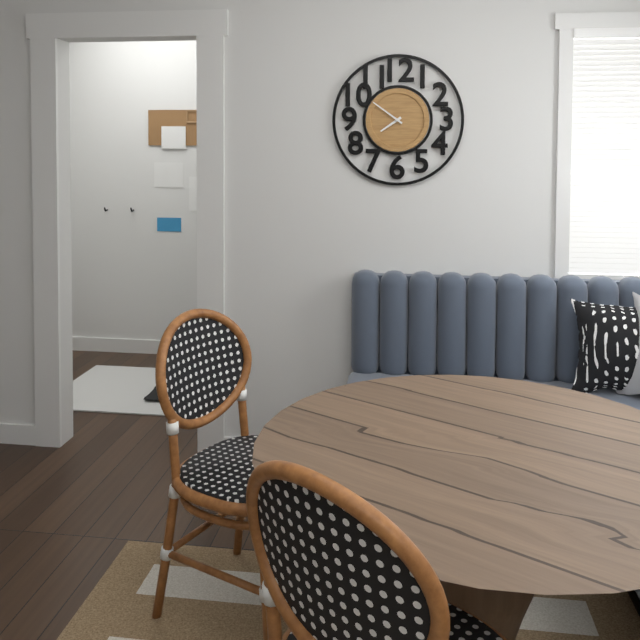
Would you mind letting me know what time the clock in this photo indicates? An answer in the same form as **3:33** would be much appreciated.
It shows **7:51**
